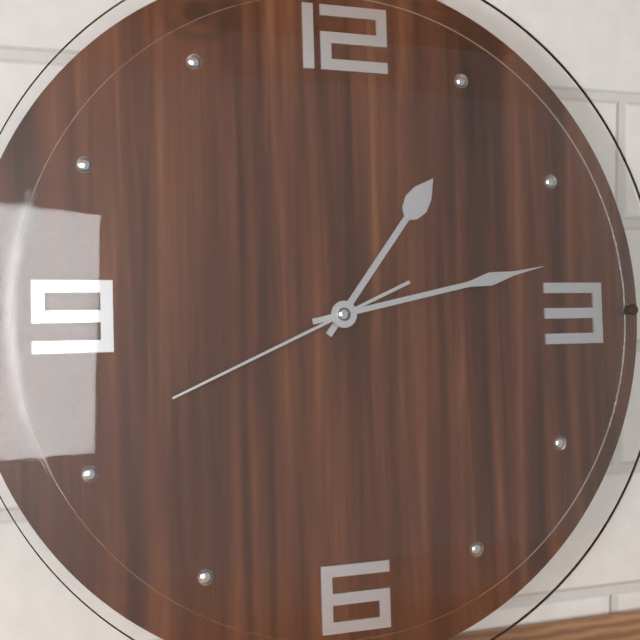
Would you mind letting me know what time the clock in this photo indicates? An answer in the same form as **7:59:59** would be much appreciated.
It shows **1:13:41**
